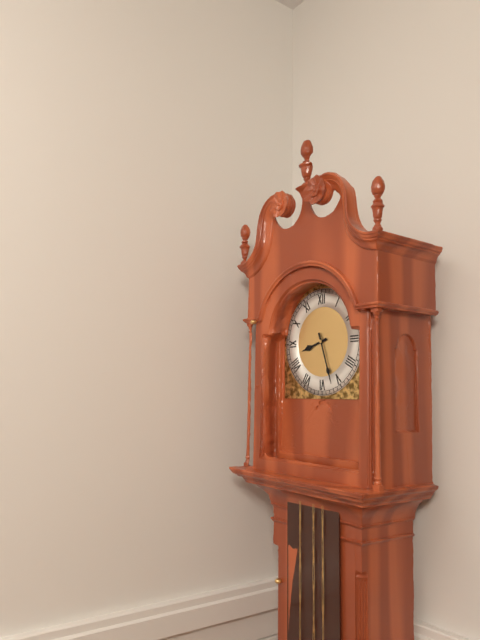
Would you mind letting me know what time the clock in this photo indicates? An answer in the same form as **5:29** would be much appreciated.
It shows **8:27**
